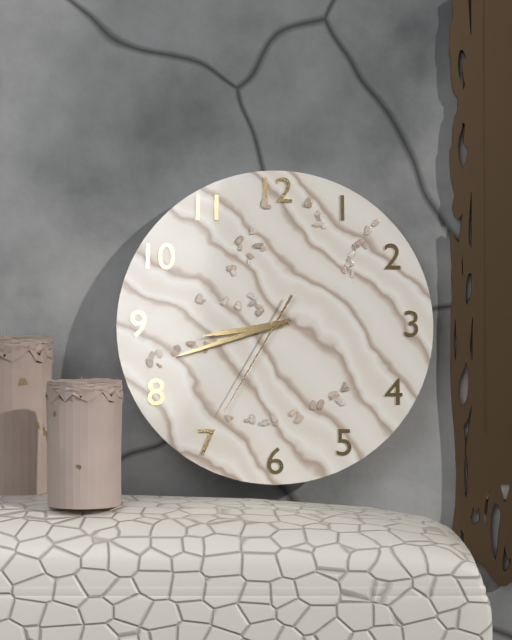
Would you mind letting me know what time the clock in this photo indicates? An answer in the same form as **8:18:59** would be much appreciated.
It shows **8:42:35**
